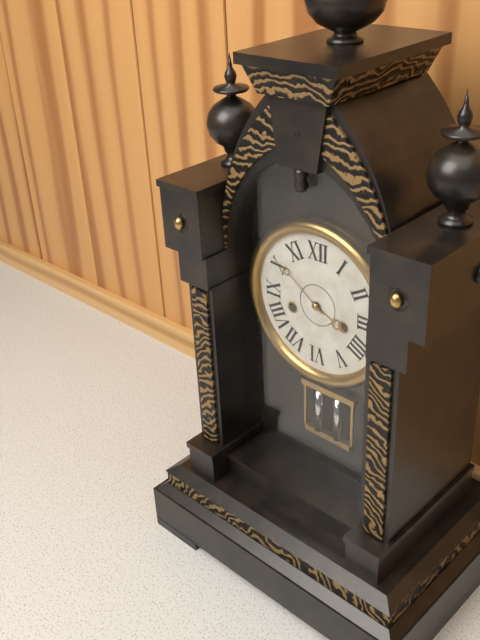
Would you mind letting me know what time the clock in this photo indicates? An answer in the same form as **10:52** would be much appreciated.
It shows **3:51**
